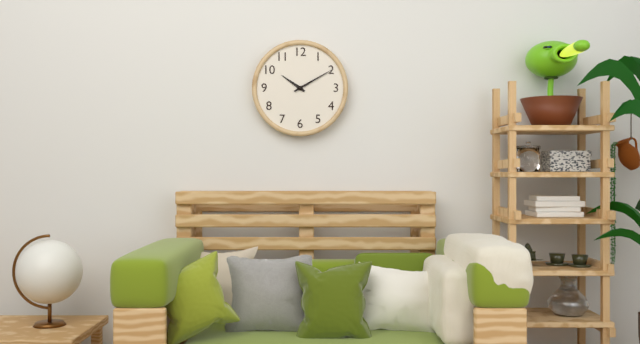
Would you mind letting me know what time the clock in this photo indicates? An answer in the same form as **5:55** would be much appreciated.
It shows **10:10**
